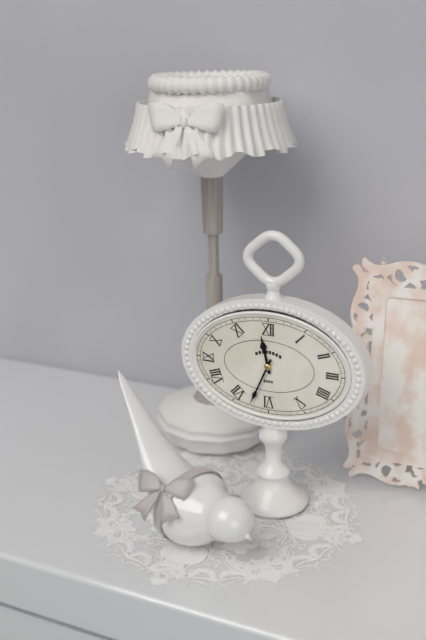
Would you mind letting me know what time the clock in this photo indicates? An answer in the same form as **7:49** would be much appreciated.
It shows **11:34**
